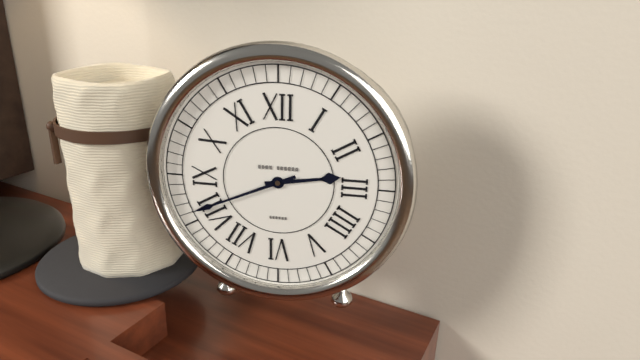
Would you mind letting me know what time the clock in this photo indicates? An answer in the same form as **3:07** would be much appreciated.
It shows **2:41**
